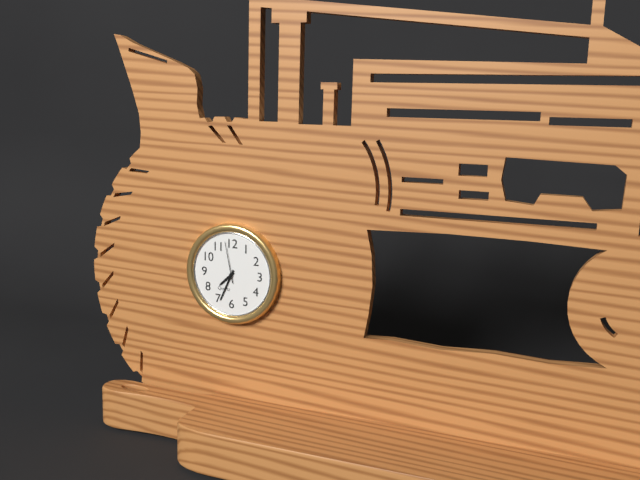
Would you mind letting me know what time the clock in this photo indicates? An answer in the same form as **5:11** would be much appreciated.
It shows **7:34**
